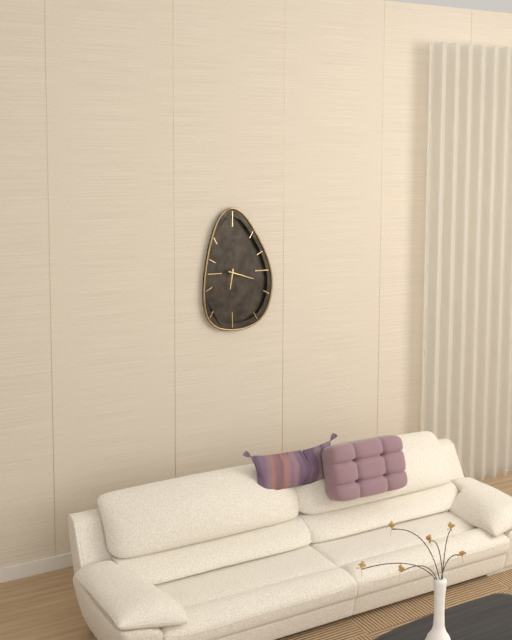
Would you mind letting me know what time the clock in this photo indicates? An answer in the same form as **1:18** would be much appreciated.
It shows **6:18**
